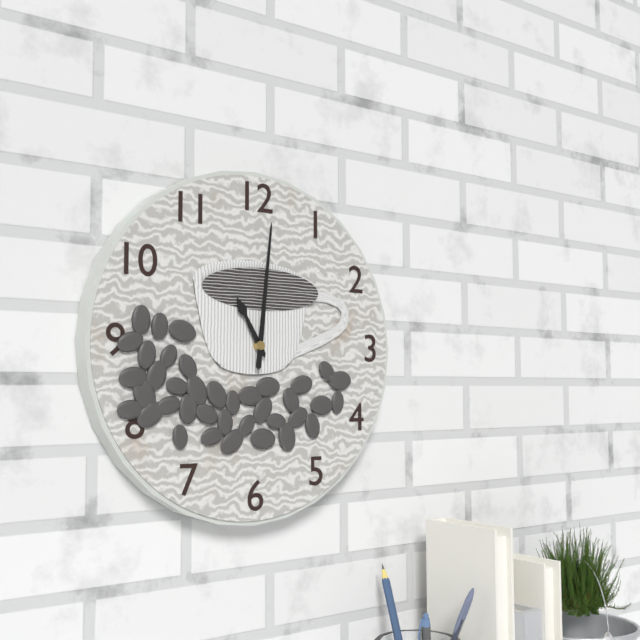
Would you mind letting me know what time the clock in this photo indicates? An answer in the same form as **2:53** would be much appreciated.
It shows **11:01**
